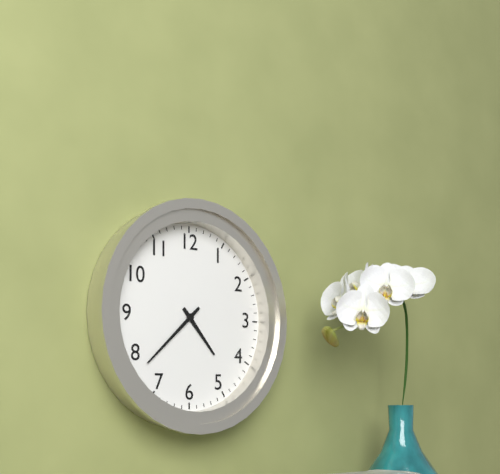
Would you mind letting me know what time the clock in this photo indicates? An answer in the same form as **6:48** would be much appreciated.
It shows **4:38**
